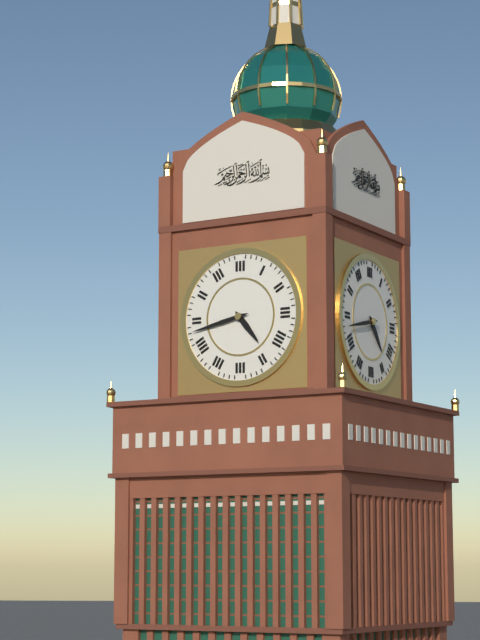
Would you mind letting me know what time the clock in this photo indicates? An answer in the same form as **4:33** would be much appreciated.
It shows **4:43**
